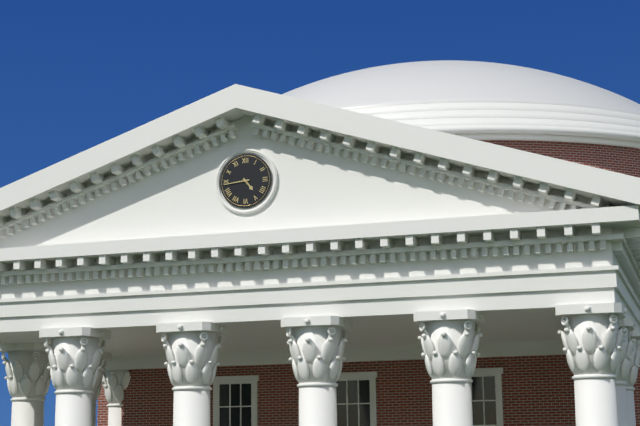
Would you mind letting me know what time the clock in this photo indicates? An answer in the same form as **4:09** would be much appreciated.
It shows **4:44**
